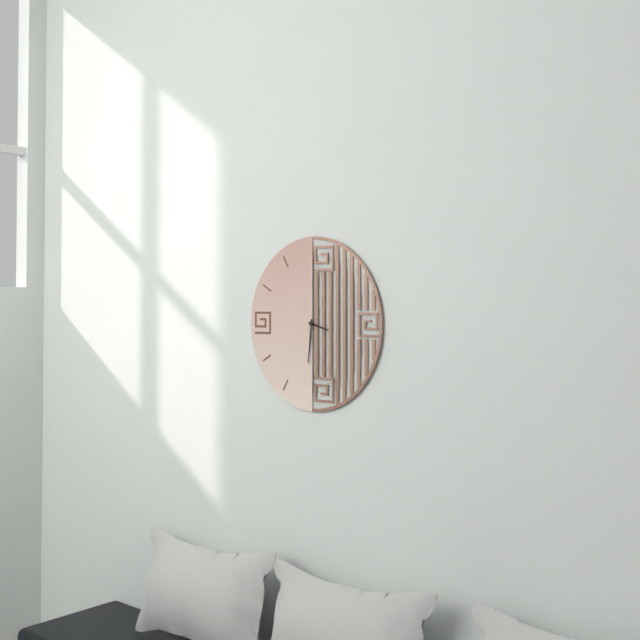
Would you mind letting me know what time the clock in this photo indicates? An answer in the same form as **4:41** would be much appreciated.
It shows **3:31**
